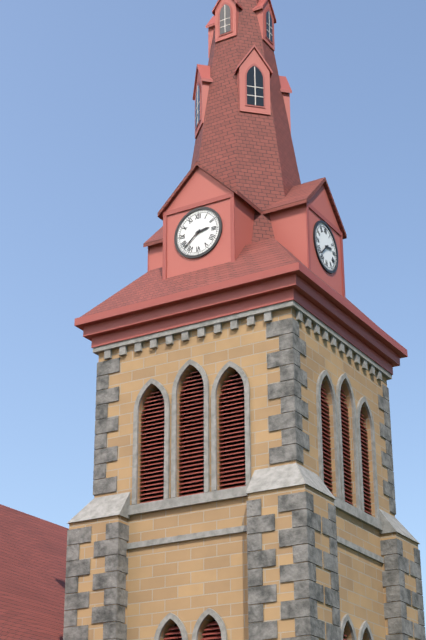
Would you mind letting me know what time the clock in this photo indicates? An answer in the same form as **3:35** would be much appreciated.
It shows **2:38**
